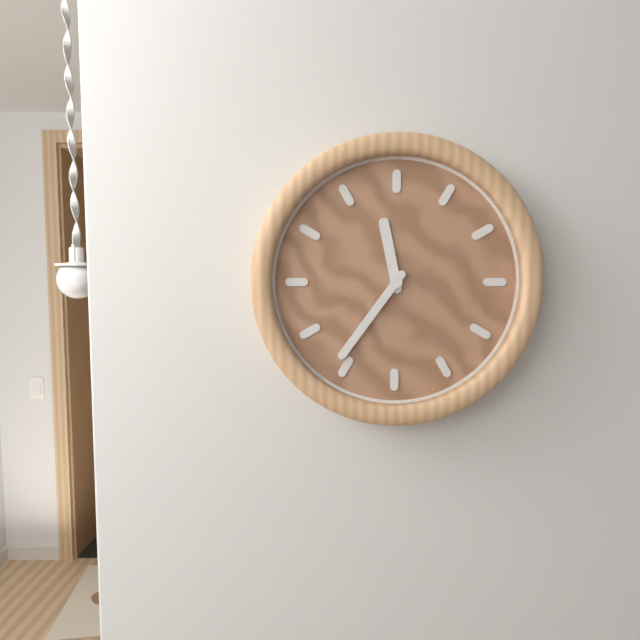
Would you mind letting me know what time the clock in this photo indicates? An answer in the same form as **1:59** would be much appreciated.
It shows **11:36**
